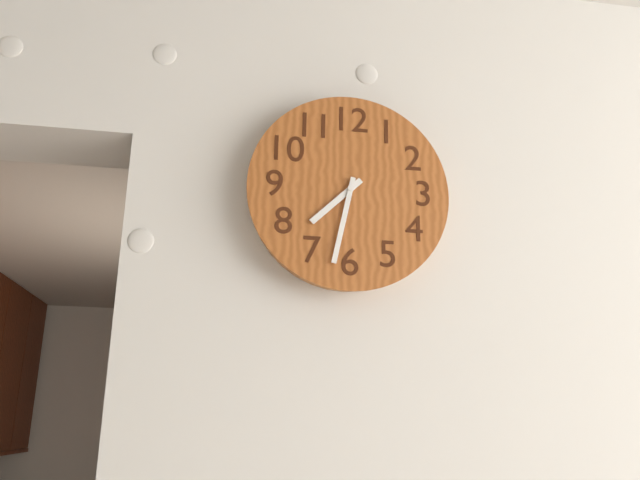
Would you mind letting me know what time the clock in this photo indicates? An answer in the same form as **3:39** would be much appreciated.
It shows **7:32**
